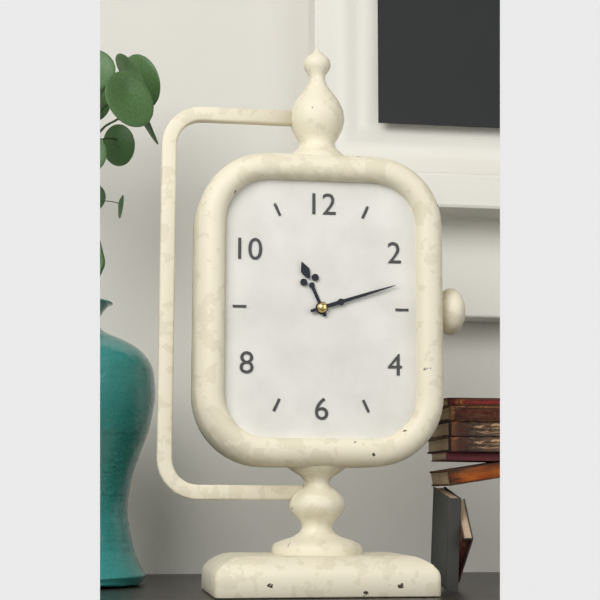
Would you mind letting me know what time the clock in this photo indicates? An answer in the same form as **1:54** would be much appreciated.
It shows **11:12**
